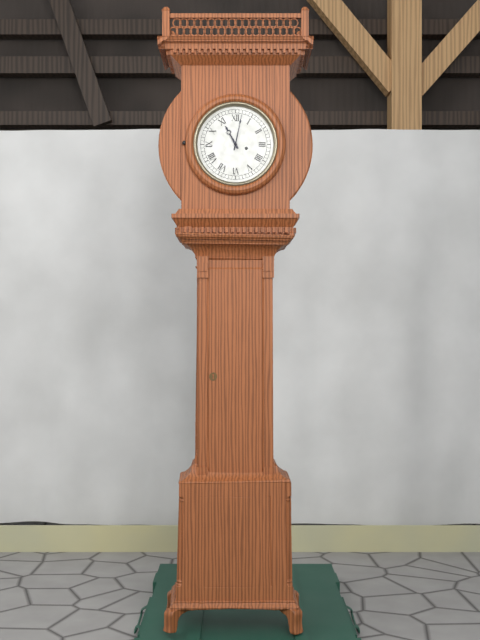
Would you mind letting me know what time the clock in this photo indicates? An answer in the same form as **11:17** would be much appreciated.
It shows **11:02**
